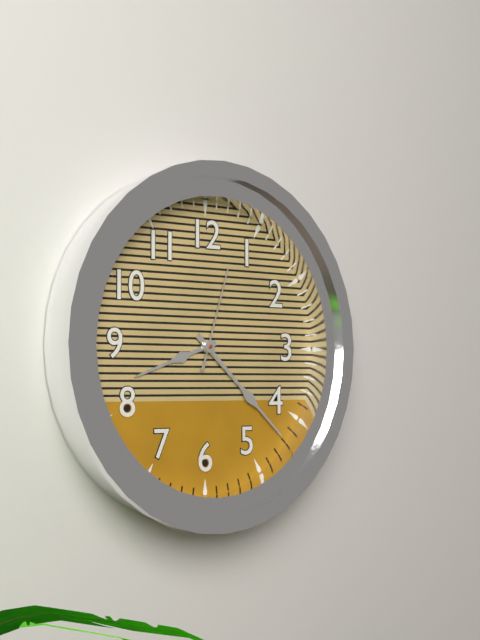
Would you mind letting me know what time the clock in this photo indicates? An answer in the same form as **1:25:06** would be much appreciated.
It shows **8:22:03**
